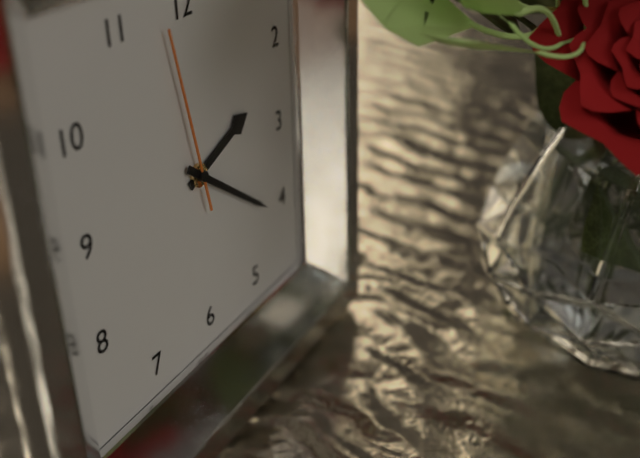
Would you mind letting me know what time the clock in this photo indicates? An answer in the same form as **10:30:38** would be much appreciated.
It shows **2:21:58**
